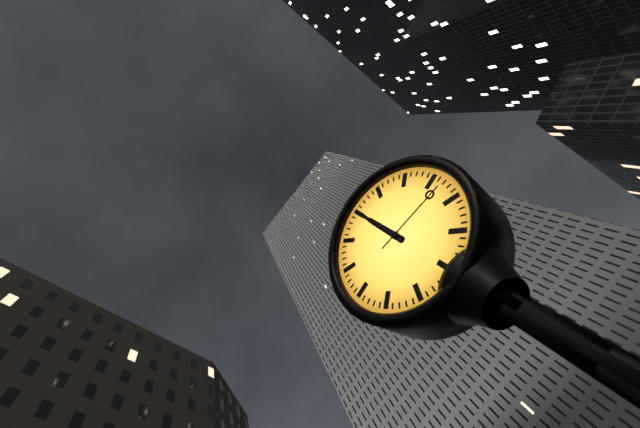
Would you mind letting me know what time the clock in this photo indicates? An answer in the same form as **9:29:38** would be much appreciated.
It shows **12:00:17**
